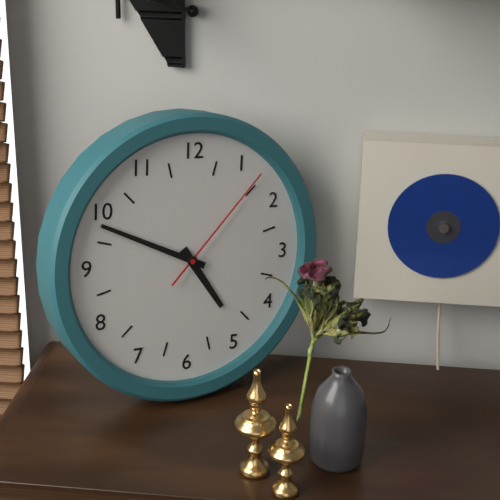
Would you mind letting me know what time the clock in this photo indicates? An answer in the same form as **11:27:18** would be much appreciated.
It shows **4:49:07**
